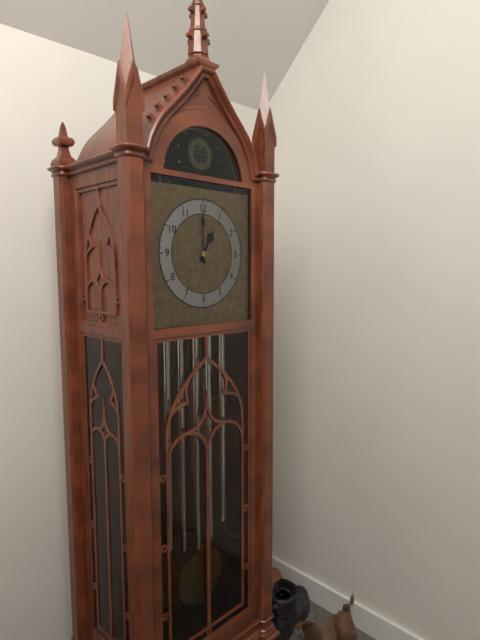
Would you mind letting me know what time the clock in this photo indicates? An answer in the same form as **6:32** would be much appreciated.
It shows **1:00**
